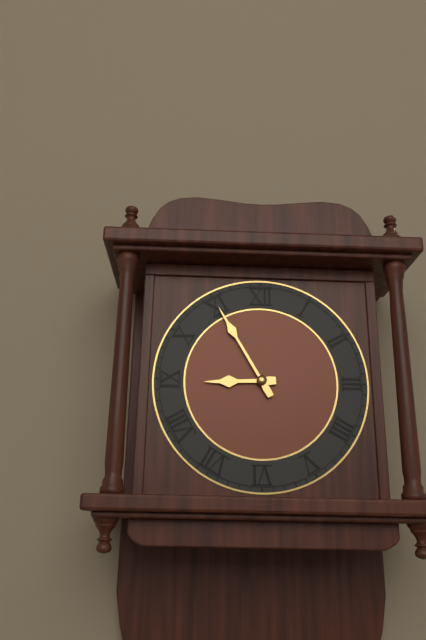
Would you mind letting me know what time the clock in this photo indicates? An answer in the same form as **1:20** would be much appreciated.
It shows **8:55**
